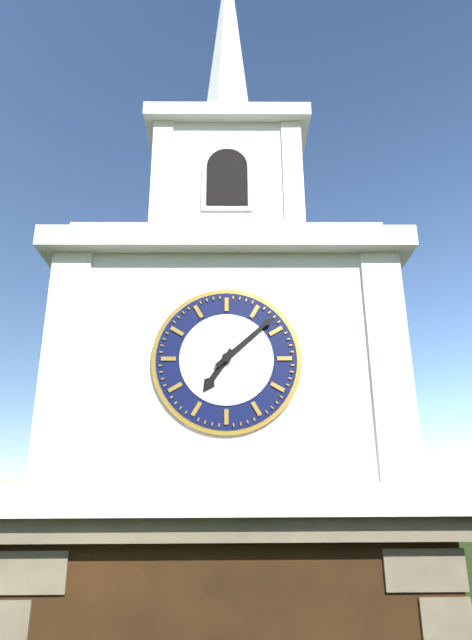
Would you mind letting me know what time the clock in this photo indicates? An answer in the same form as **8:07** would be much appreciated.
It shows **7:08**
